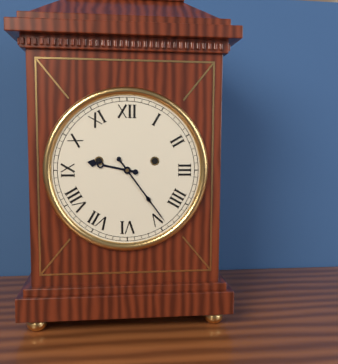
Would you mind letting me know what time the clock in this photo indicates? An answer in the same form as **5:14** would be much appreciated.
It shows **9:24**
